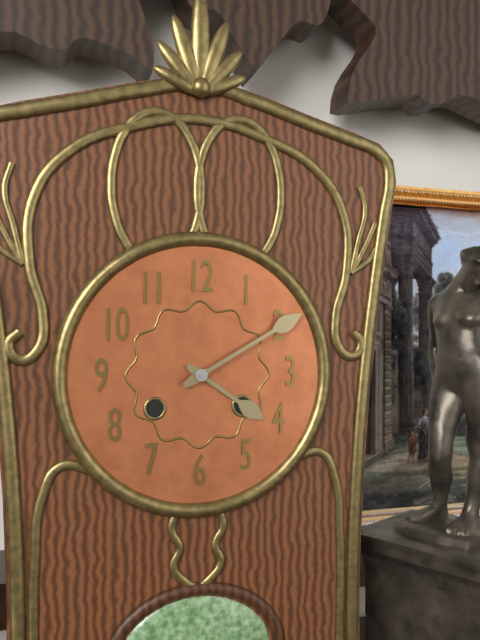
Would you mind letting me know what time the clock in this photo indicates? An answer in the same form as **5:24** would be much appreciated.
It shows **4:10**
